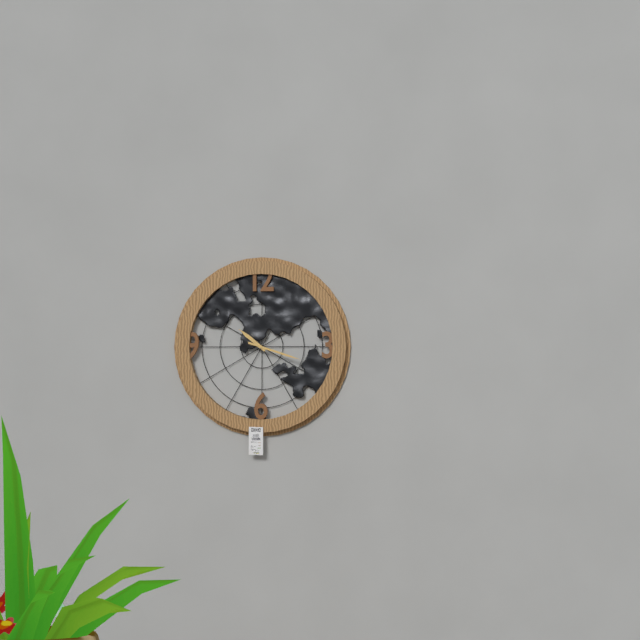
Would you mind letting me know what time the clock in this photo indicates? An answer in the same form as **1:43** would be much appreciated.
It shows **10:18**
